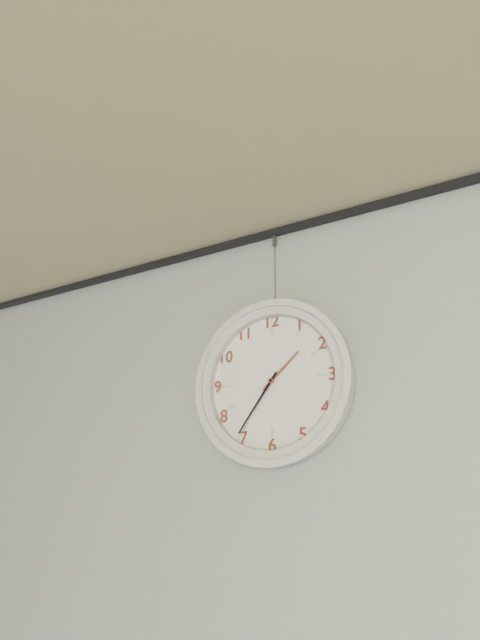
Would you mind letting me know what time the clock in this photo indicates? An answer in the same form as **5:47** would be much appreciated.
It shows **1:36**
